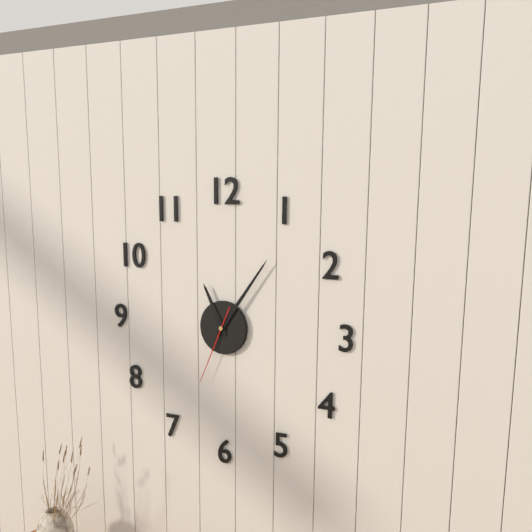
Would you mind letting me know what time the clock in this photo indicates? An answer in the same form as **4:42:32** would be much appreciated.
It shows **11:06:34**
